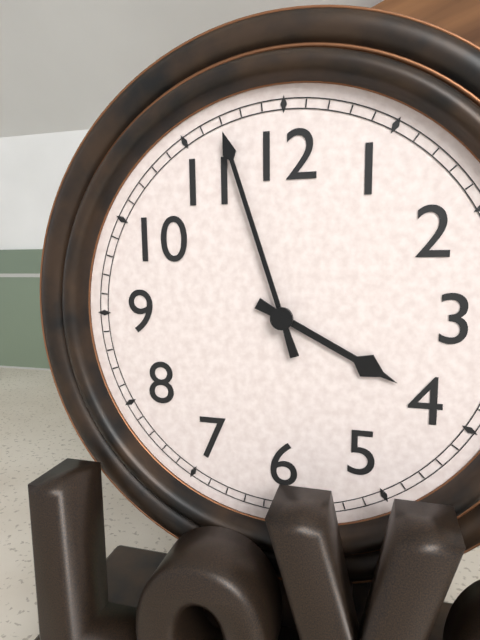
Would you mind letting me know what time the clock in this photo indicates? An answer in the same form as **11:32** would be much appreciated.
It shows **3:57**
